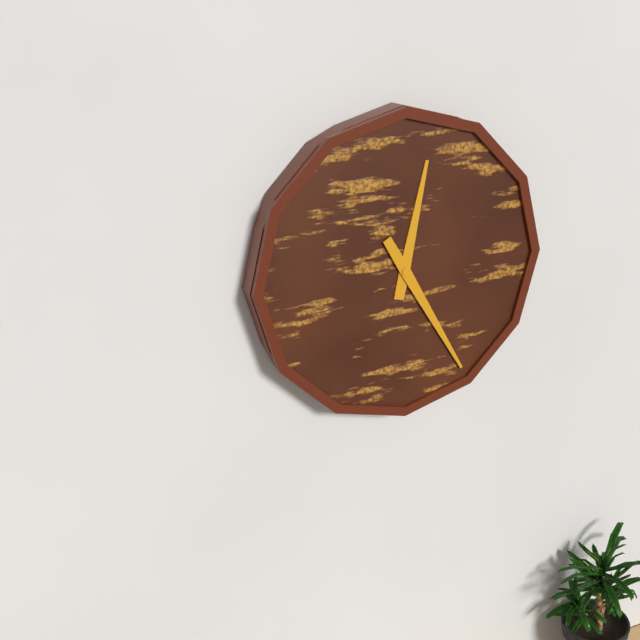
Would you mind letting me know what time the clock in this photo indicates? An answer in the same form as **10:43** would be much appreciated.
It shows **12:25**
